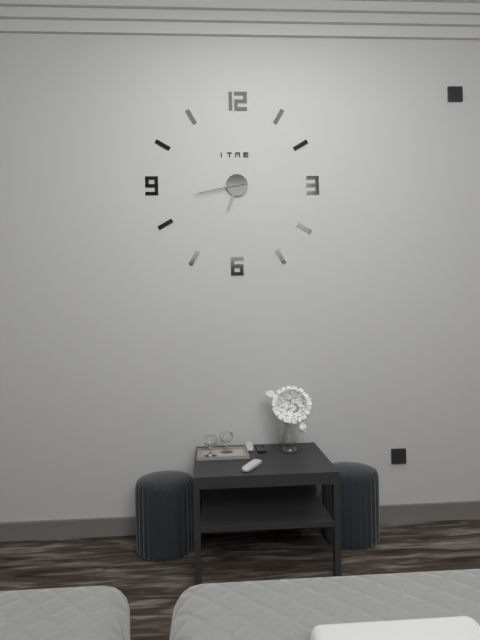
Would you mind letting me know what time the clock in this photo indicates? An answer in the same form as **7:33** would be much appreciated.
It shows **6:43**
